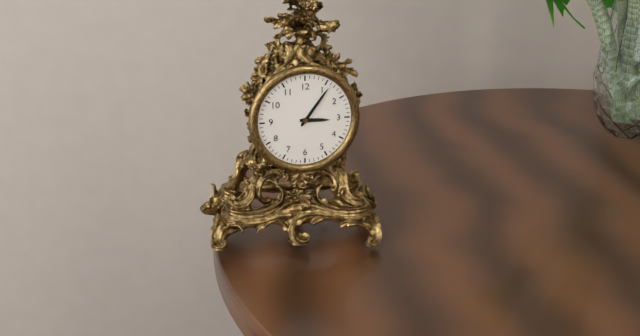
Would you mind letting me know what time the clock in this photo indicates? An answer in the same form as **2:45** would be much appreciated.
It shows **3:06**
